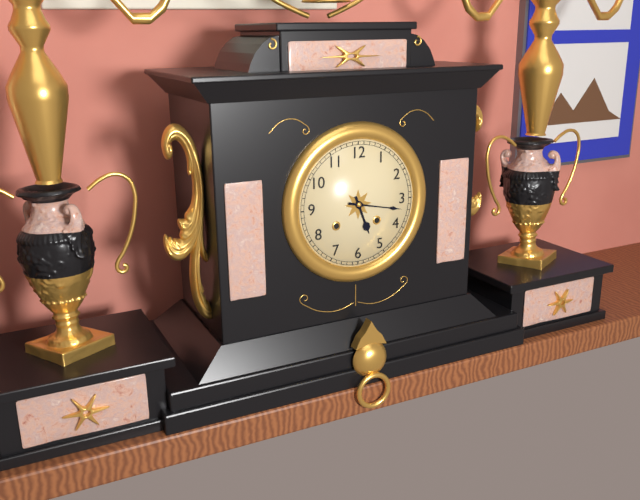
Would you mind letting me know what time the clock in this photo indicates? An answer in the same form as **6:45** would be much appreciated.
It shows **5:17**
